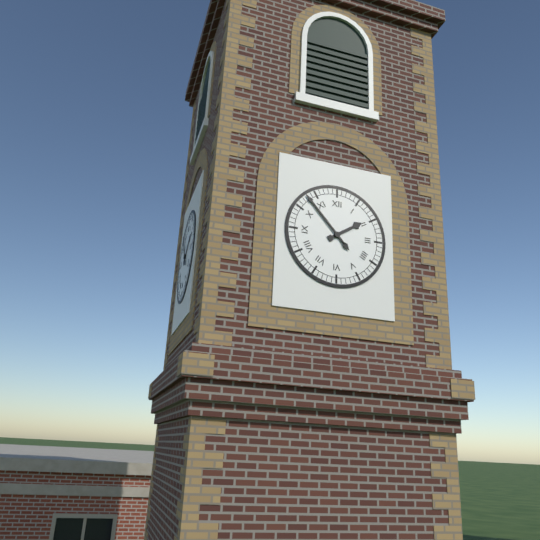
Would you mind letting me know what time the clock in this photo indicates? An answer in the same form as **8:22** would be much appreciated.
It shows **1:53**
